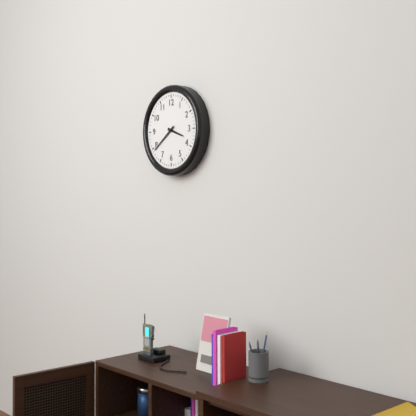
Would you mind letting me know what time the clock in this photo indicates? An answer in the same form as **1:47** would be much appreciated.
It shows **3:39**
